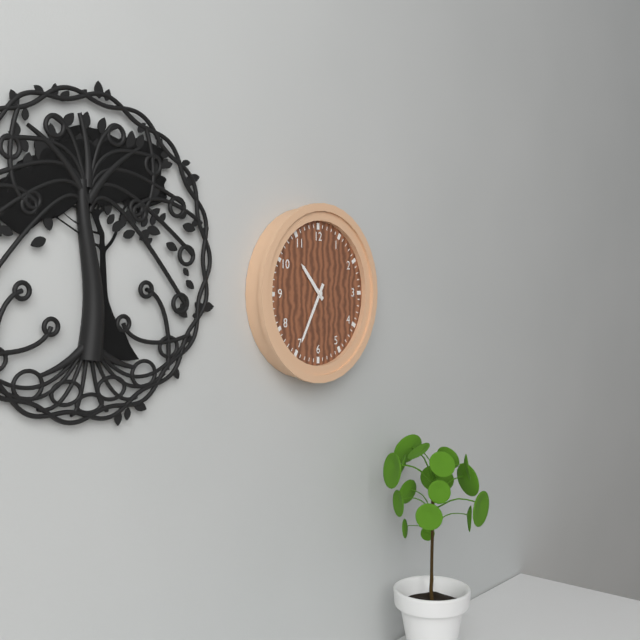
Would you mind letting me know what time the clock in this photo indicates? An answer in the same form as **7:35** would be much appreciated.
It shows **10:35**
